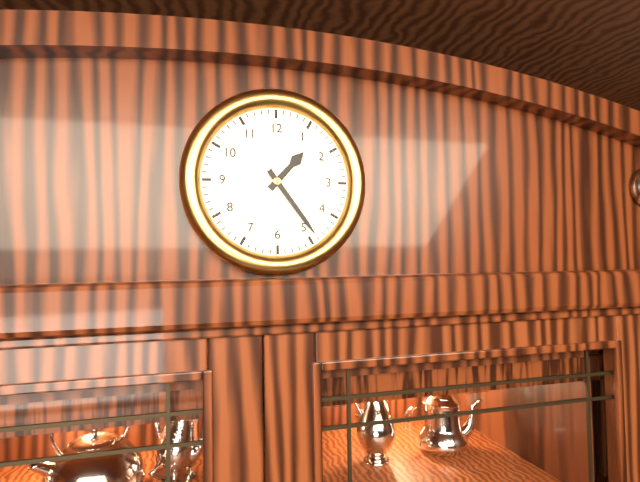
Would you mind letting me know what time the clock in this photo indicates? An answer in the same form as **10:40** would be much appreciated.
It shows **1:24**
